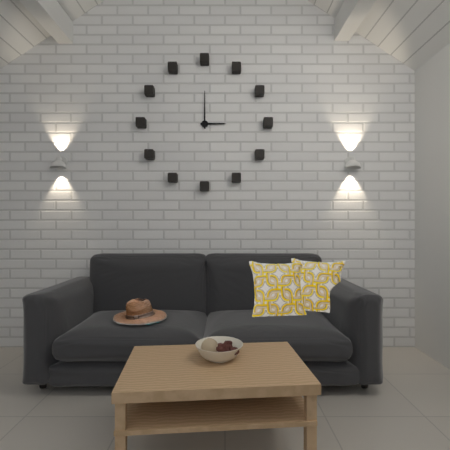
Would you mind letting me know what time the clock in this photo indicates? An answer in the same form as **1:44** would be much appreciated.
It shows **3:00**
